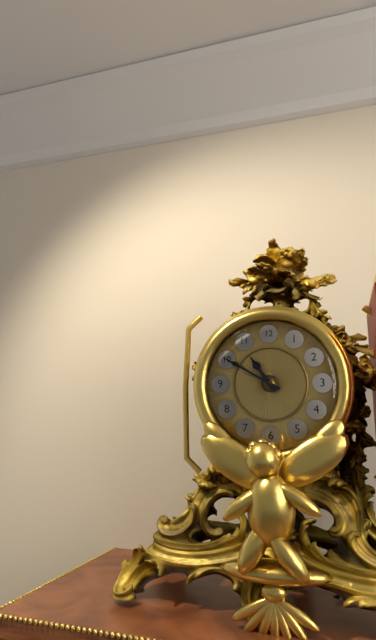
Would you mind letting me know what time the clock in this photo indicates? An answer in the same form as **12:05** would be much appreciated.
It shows **10:50**
